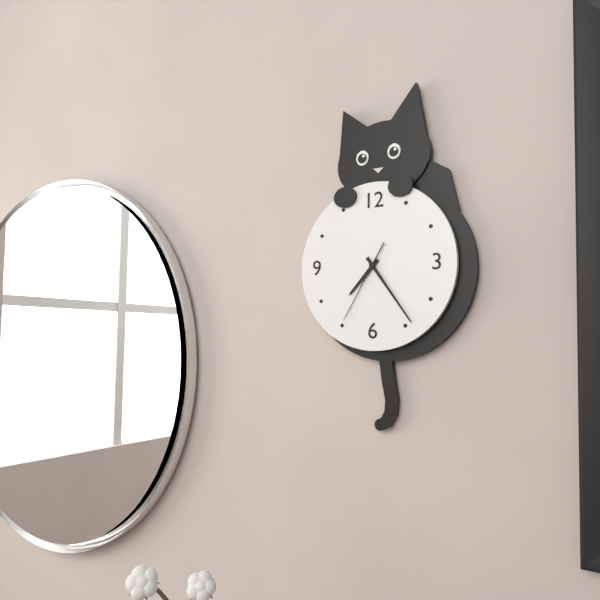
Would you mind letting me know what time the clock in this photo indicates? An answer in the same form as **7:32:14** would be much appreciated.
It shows **7:24:35**
